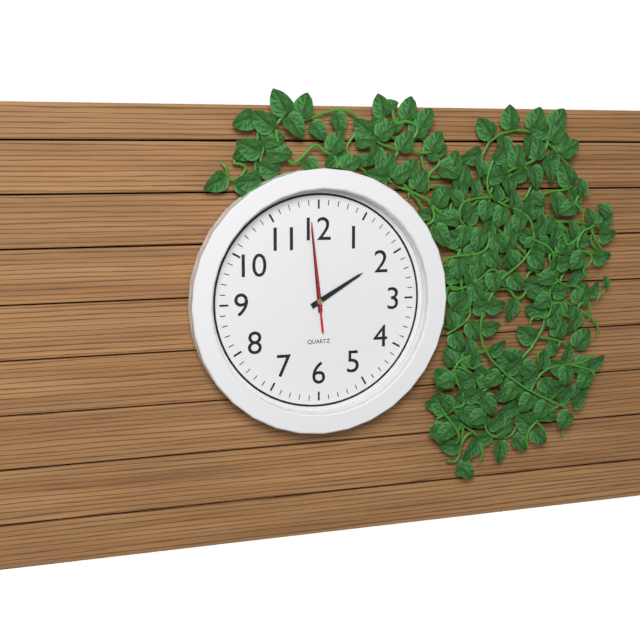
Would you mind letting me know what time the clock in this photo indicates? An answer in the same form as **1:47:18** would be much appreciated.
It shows **1:59:59**
